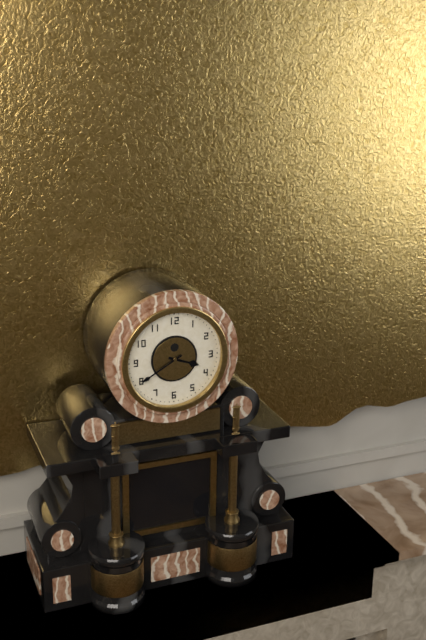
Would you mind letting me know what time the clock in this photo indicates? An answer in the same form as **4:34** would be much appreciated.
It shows **3:40**
